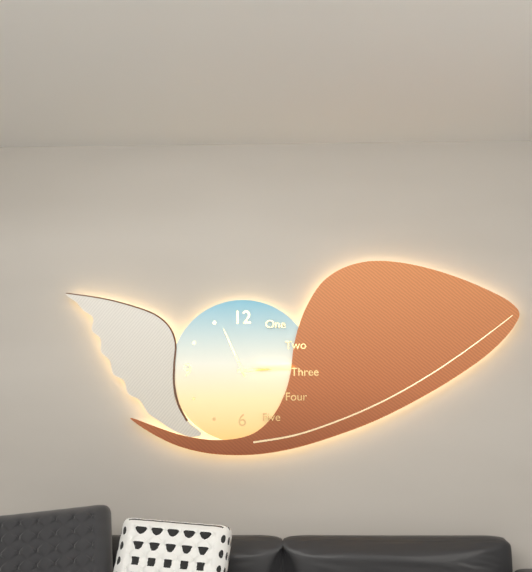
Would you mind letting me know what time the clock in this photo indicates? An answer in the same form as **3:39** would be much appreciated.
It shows **2:56**
